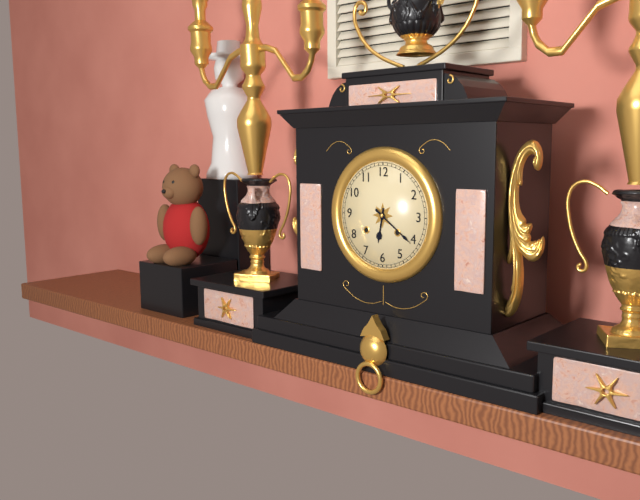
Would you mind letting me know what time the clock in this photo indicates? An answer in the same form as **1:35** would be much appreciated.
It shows **6:21**
